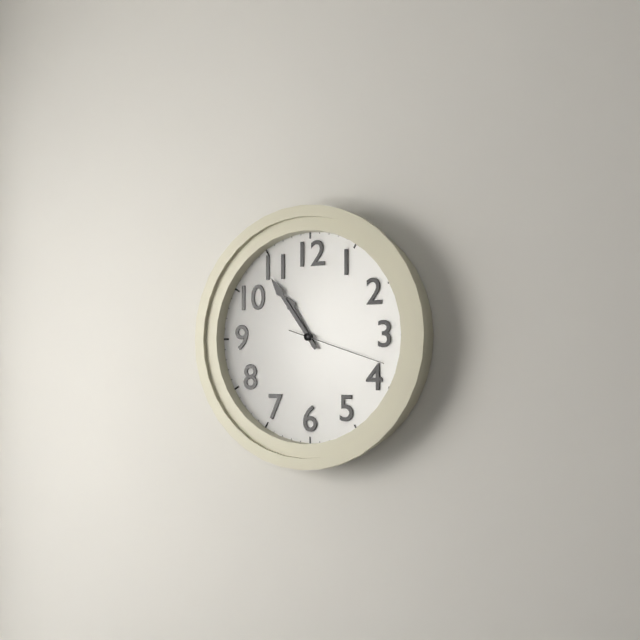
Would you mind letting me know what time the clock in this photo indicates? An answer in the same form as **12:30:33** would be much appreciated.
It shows **10:54:18**
